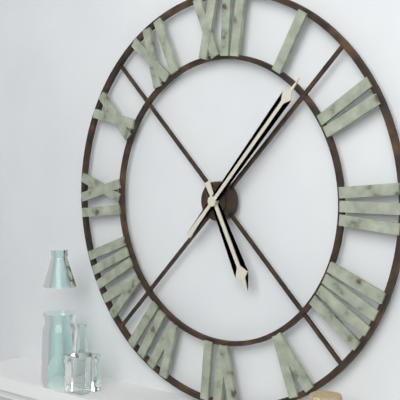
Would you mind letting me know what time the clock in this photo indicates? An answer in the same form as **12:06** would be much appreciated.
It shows **5:07**
